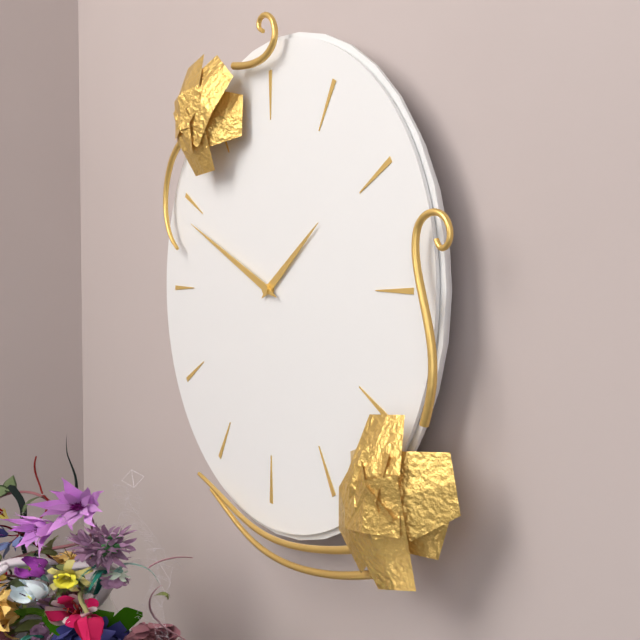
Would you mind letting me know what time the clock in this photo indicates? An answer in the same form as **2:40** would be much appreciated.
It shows **1:49**
